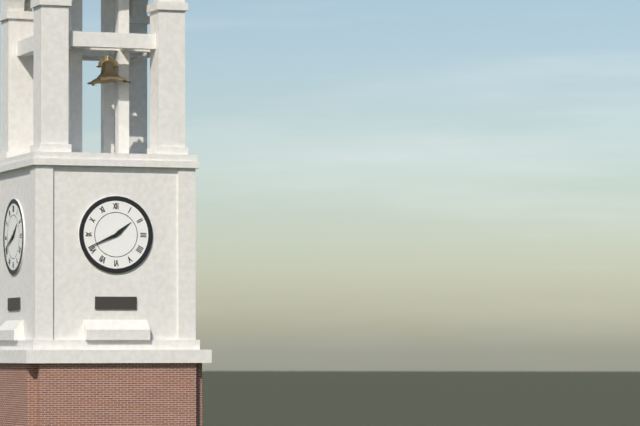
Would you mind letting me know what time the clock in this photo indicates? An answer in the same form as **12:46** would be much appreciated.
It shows **1:41**
